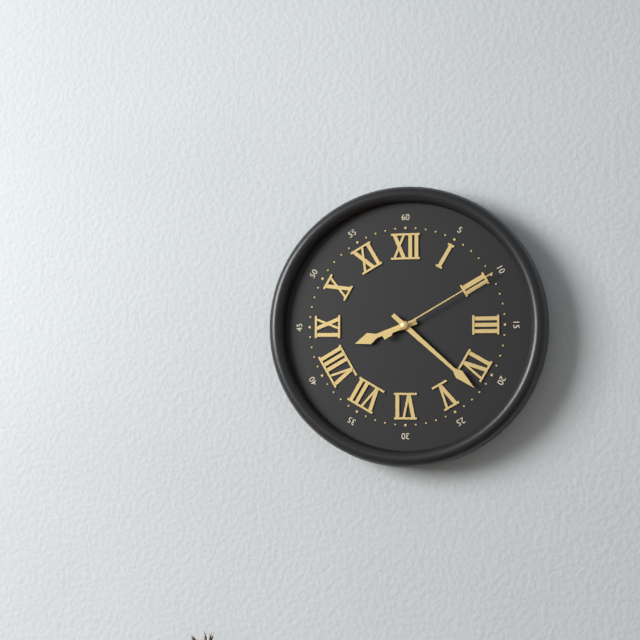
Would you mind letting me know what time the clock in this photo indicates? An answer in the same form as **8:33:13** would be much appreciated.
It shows **8:22:10**
